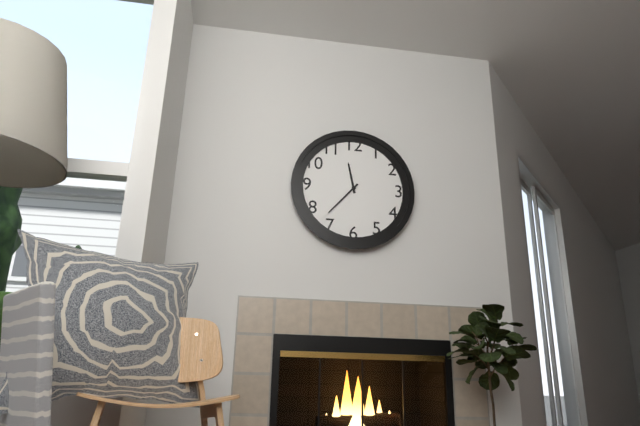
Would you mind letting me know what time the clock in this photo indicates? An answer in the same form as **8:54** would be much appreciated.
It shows **11:37**
